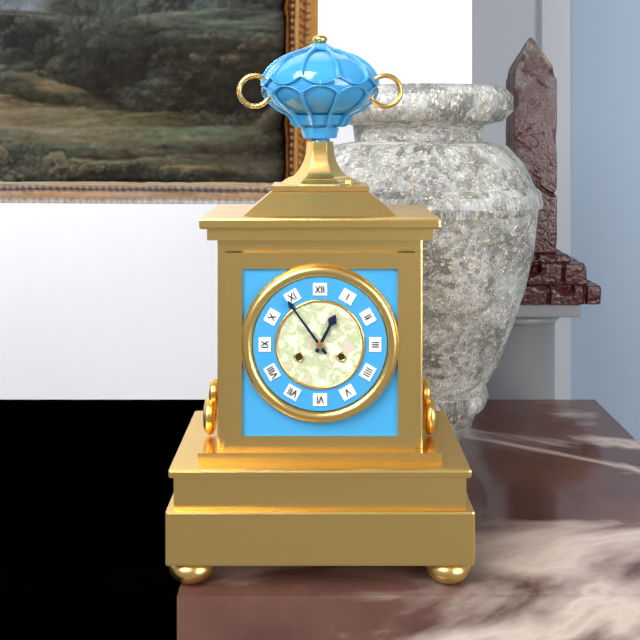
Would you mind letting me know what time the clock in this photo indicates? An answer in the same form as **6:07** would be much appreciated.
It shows **12:54**
